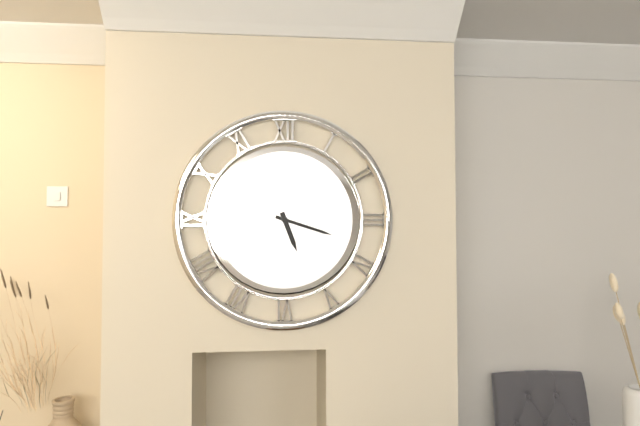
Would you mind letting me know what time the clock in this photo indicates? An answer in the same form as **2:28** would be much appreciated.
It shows **5:18**
